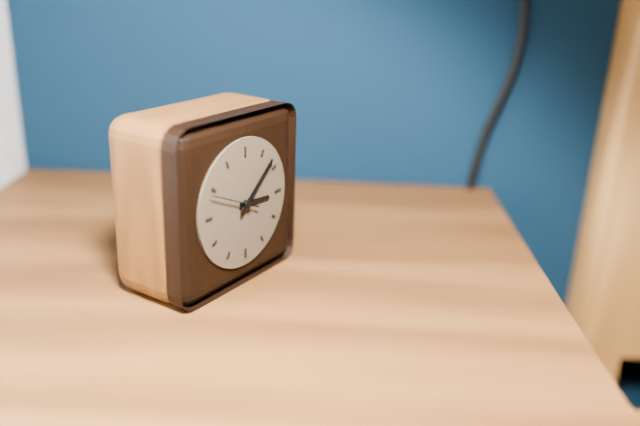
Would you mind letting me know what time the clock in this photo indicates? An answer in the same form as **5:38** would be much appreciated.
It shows **3:08**
